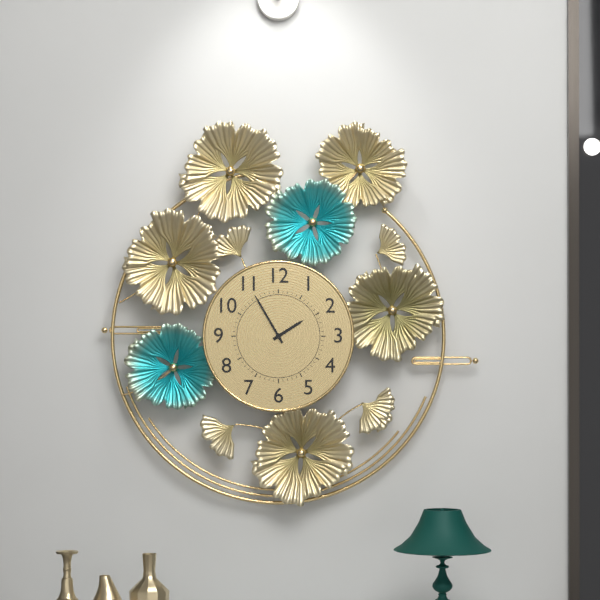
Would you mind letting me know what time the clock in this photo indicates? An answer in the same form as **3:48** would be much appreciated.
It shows **1:55**
